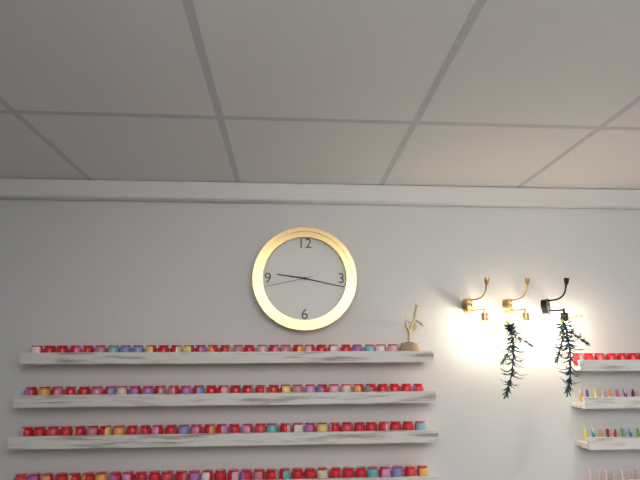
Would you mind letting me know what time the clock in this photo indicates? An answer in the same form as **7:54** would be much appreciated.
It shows **9:17**
